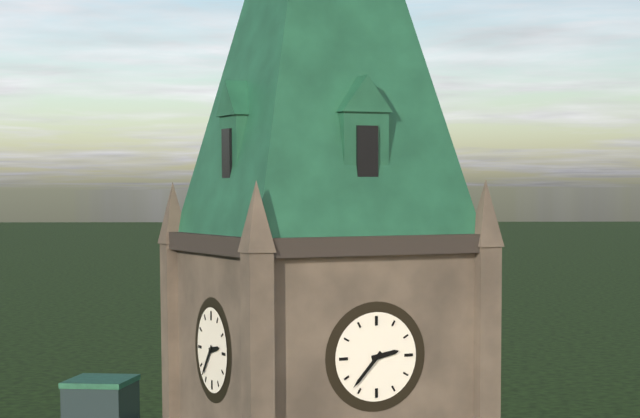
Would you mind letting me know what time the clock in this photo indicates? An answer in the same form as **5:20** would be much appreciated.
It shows **2:37**
